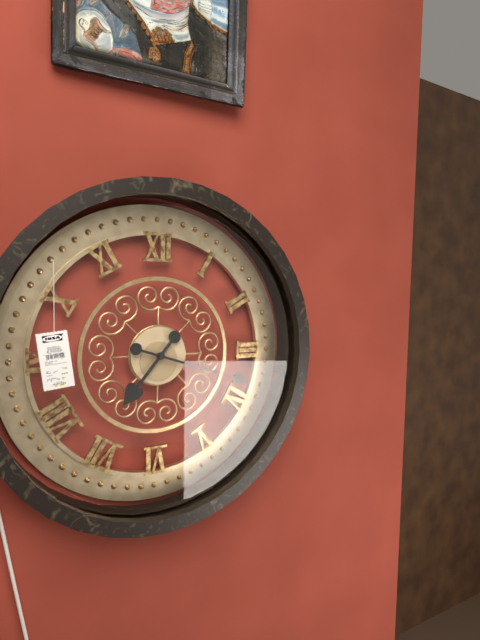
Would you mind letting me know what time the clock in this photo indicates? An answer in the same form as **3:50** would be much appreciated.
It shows **7:18**
